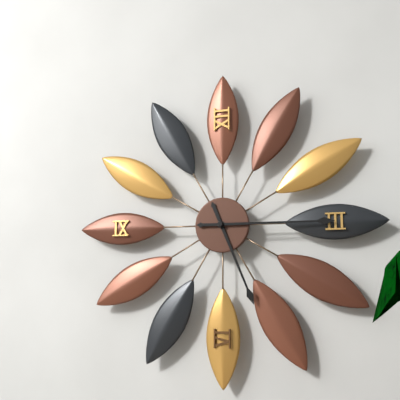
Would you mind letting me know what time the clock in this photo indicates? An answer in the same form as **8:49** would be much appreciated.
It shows **5:15**
